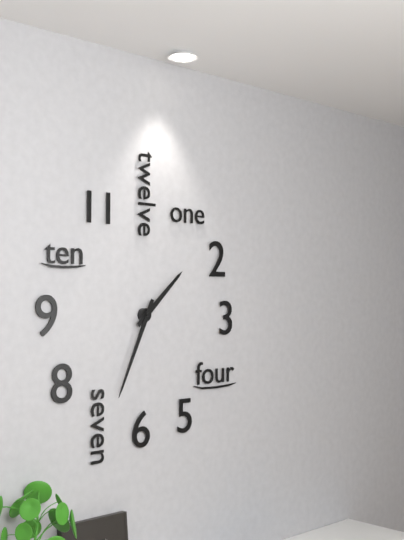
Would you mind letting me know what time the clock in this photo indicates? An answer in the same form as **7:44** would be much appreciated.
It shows **1:34**
